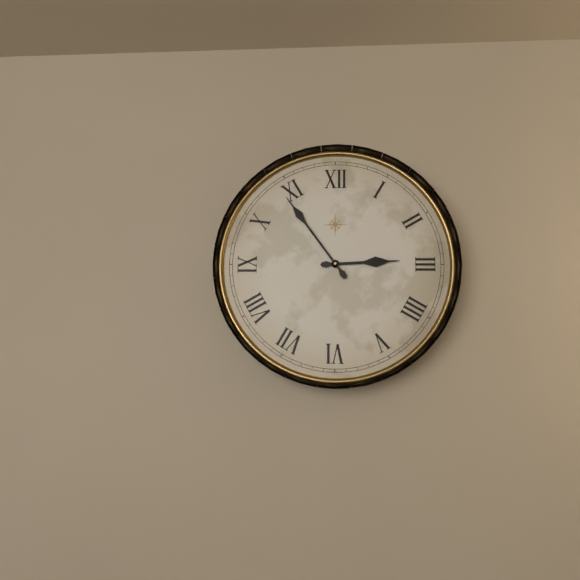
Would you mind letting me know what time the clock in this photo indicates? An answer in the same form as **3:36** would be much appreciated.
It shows **2:54**
